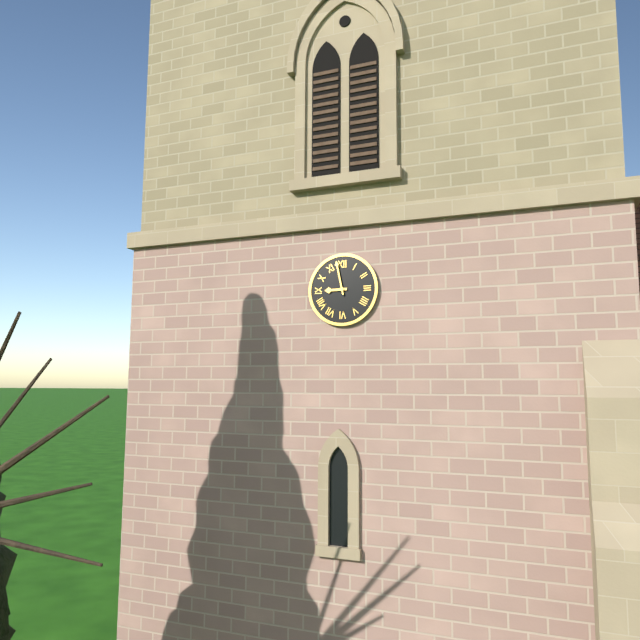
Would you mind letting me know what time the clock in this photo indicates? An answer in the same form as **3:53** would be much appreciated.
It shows **8:58**
